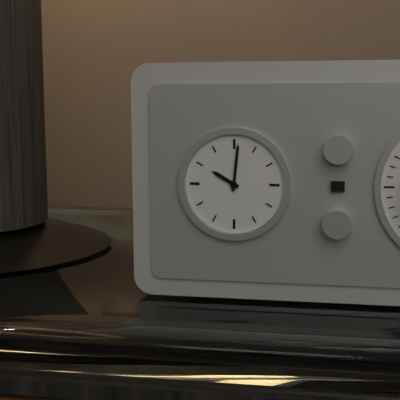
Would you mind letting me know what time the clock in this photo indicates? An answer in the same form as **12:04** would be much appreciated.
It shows **10:01**
